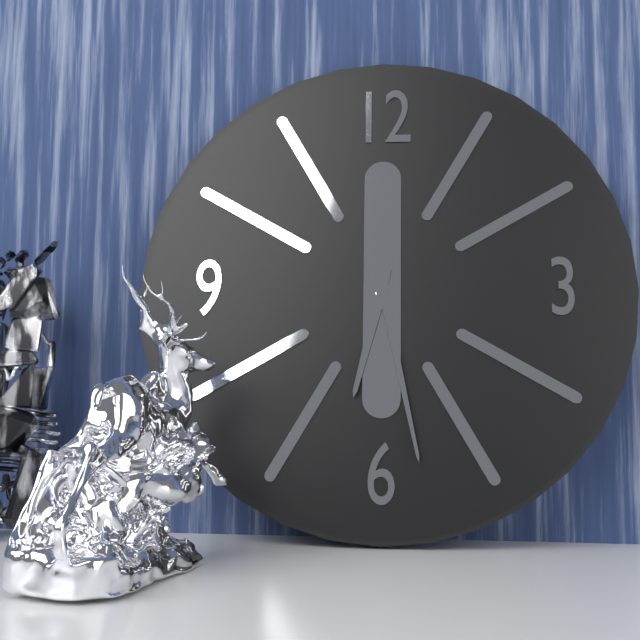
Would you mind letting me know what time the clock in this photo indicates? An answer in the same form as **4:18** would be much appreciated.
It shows **6:28**
